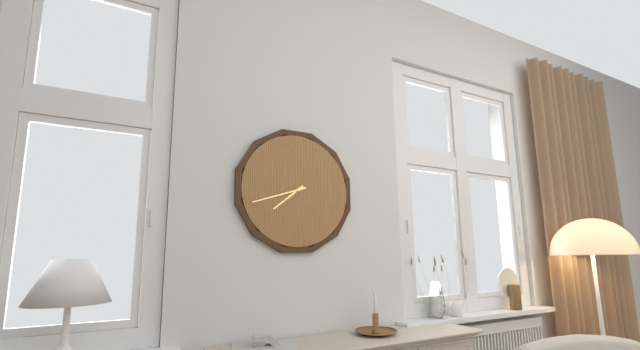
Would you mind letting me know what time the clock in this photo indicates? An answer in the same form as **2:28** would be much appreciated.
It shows **7:42**
